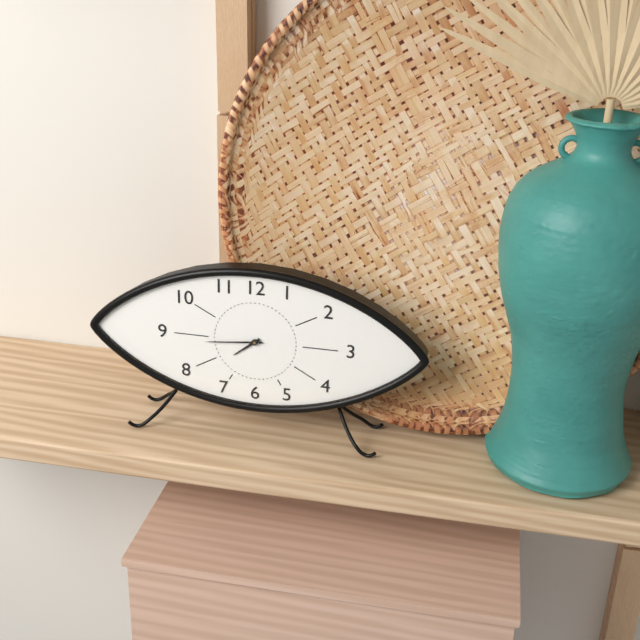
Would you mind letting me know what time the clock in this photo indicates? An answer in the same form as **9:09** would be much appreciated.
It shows **7:44**
